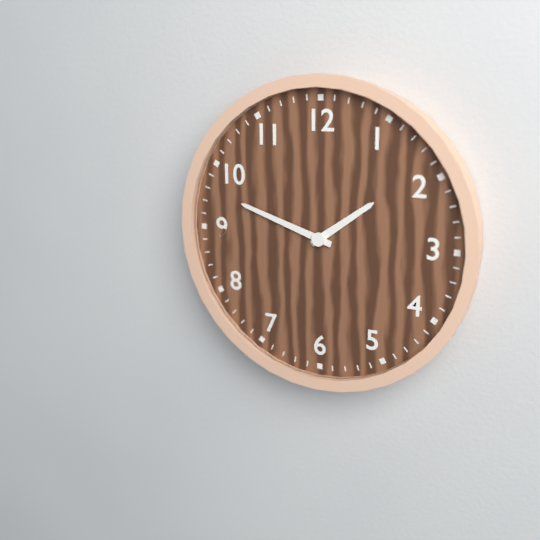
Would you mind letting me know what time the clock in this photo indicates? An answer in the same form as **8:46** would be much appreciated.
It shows **1:48**
